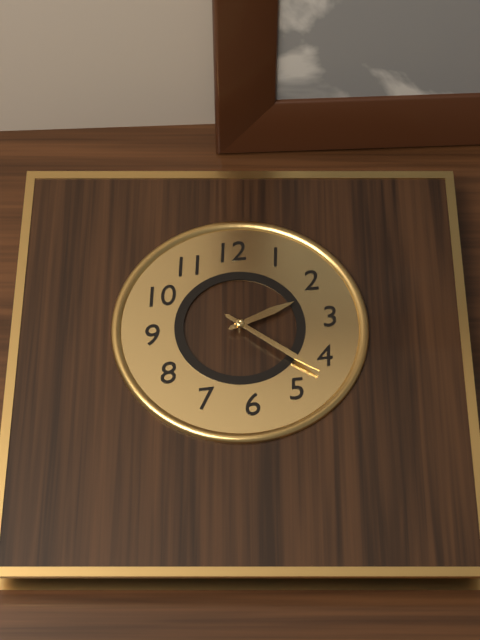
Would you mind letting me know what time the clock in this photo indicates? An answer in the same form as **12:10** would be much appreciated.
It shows **2:22**
